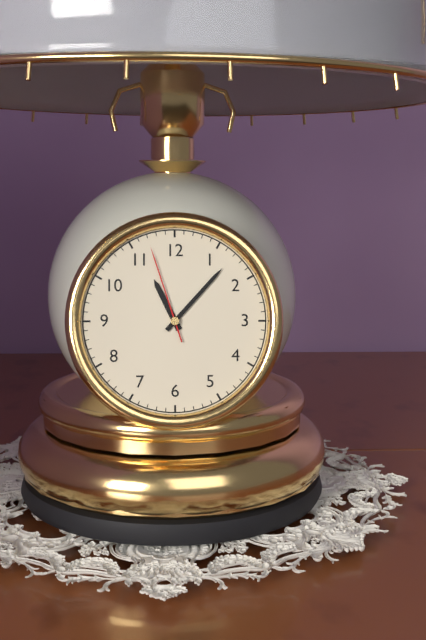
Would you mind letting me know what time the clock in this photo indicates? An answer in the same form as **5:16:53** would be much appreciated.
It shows **11:07:57**
